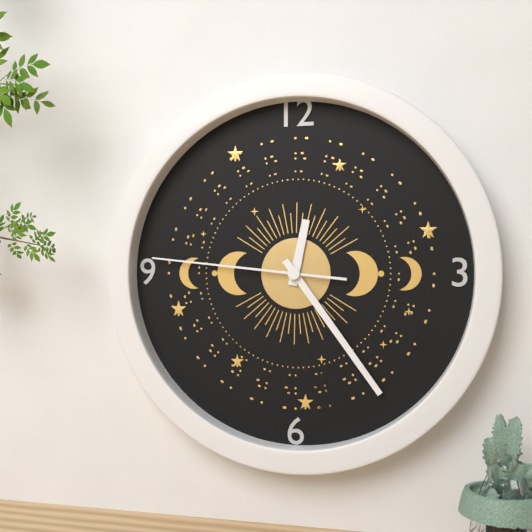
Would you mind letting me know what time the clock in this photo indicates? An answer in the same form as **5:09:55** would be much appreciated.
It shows **12:24:46**
